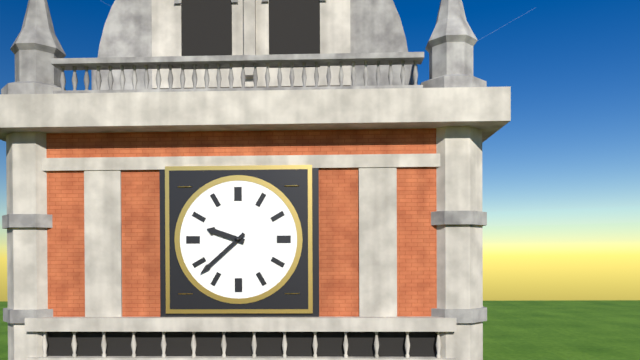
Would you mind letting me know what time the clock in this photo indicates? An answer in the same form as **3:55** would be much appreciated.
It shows **9:38**
